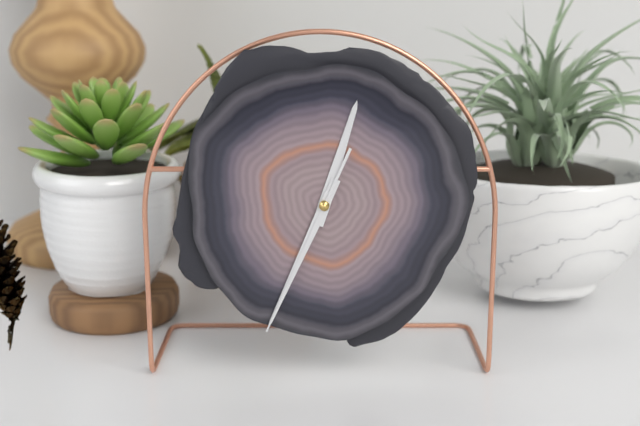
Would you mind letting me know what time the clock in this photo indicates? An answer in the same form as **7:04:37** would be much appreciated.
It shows **12:34:34**
